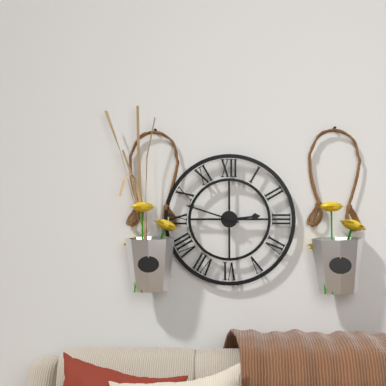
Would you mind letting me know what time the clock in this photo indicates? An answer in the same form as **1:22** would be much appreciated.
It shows **2:48**
